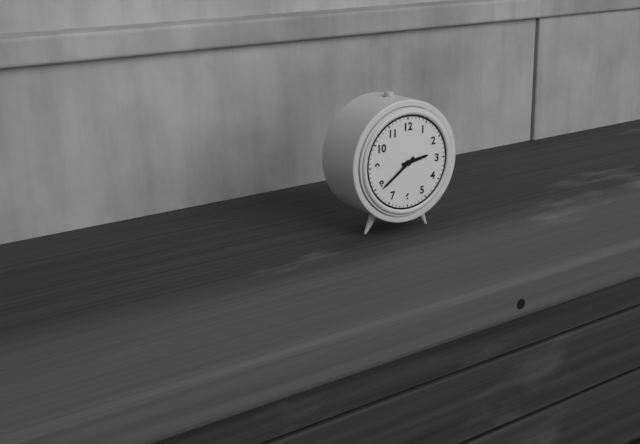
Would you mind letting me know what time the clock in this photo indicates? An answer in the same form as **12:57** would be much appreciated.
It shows **2:39**
